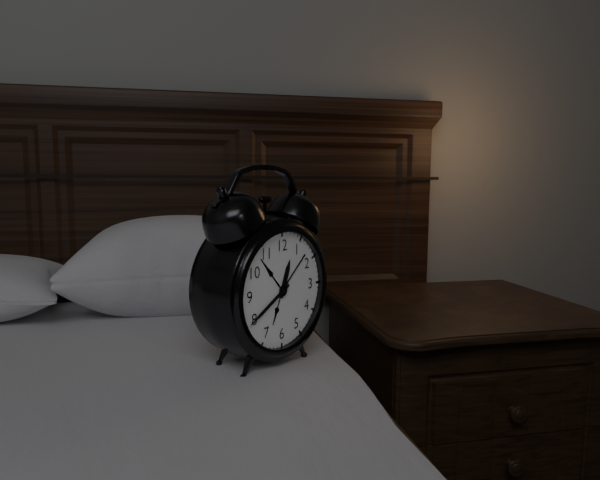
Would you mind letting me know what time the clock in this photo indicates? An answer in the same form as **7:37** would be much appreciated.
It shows **12:40**
